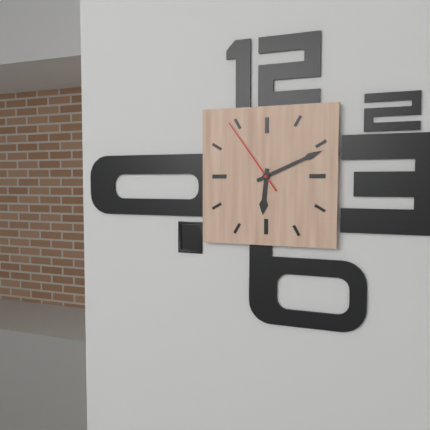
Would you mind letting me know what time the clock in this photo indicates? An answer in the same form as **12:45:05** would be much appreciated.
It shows **6:11:54**
